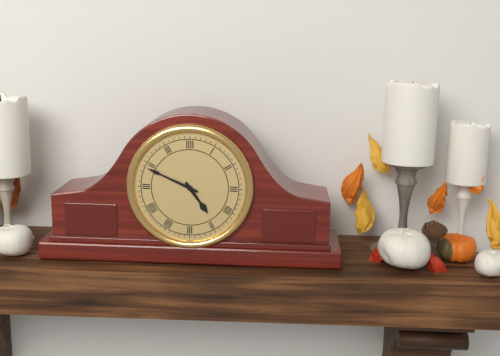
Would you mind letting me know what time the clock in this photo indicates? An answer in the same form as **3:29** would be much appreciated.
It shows **4:49**
